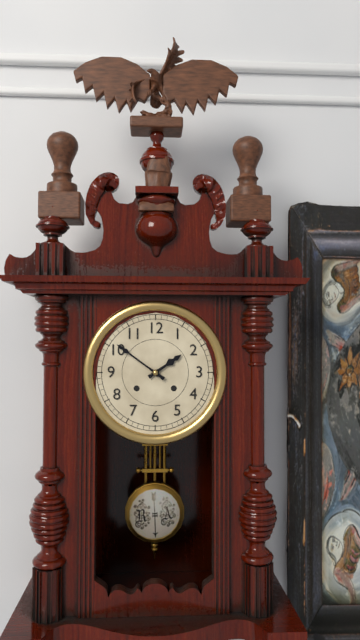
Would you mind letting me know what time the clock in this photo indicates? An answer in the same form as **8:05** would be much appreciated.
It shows **1:51**
